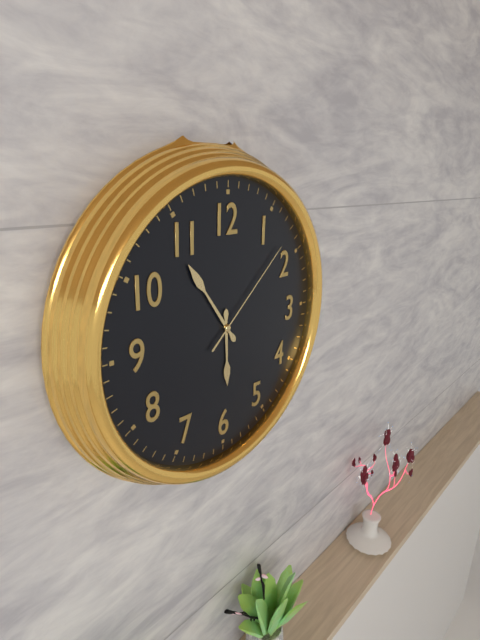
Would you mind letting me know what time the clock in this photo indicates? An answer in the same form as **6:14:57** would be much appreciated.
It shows **5:54:08**
